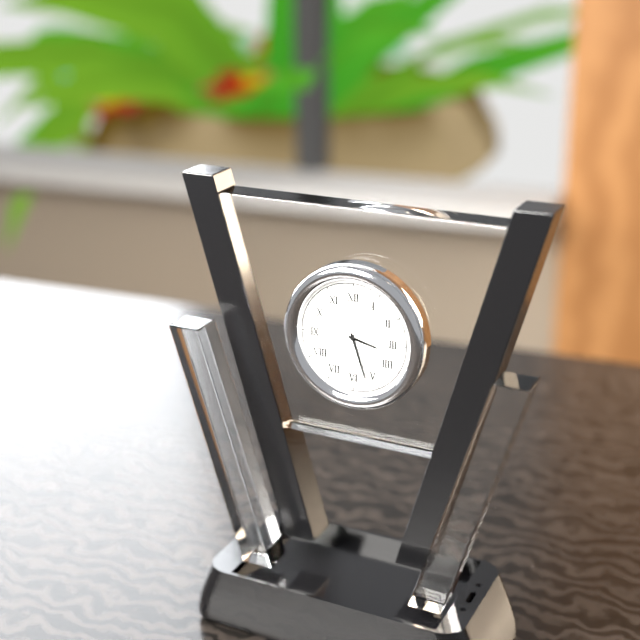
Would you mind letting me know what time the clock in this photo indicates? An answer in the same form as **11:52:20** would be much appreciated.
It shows **3:27:05**
